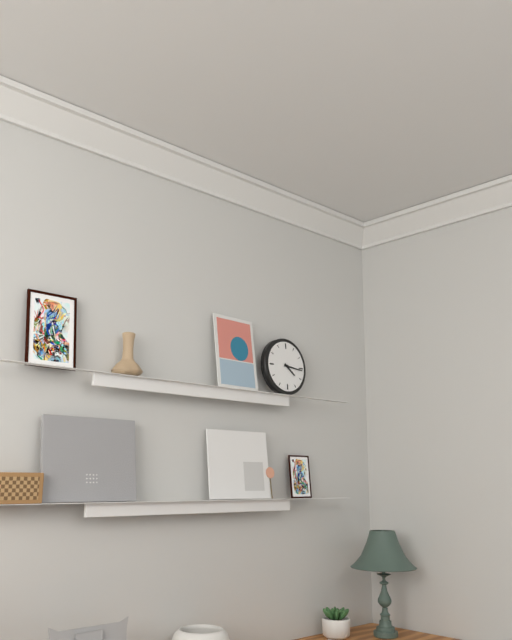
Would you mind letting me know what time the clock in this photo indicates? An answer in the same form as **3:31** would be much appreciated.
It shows **4:16**
